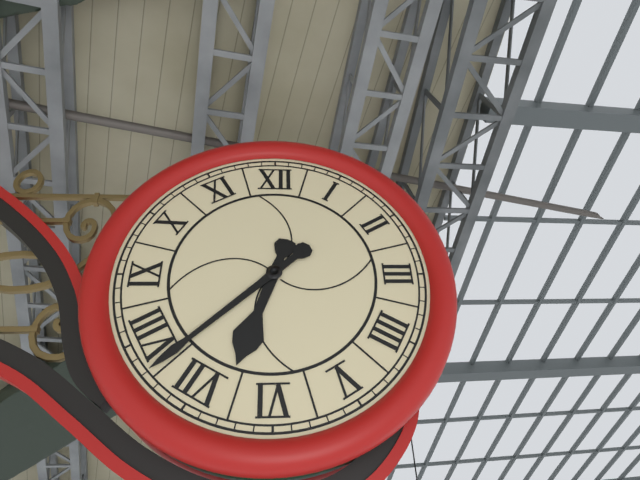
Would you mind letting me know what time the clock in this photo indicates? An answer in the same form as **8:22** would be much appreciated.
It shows **6:38**
